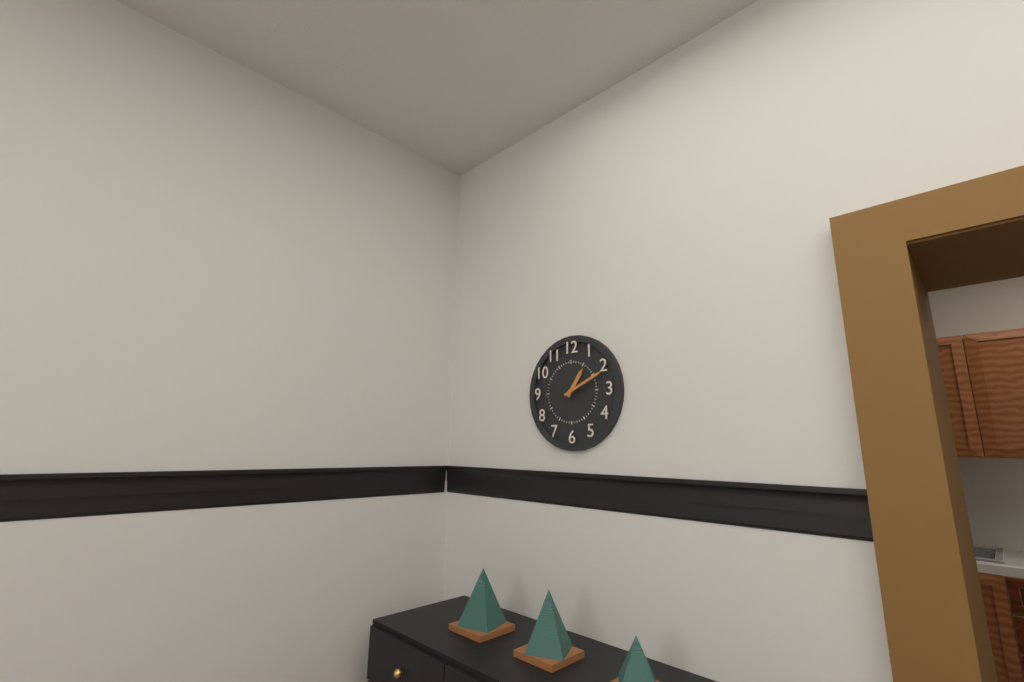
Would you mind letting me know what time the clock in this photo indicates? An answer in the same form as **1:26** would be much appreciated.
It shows **1:11**
